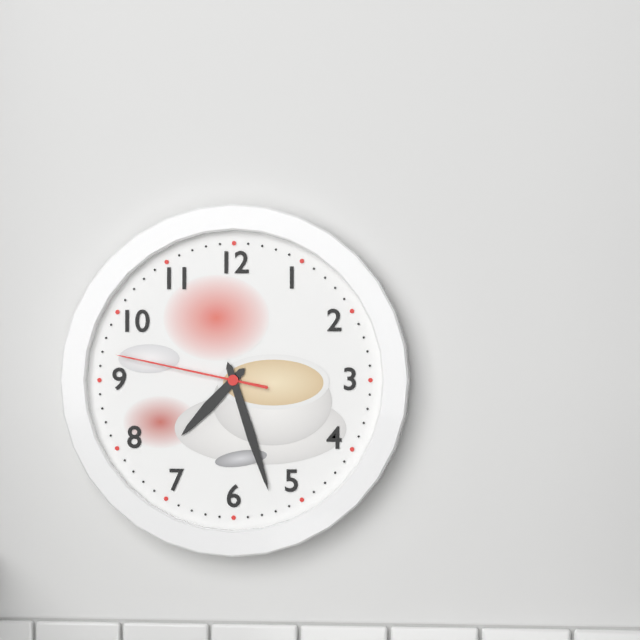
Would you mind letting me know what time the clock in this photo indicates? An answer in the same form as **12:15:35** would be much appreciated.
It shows **7:27:47**
